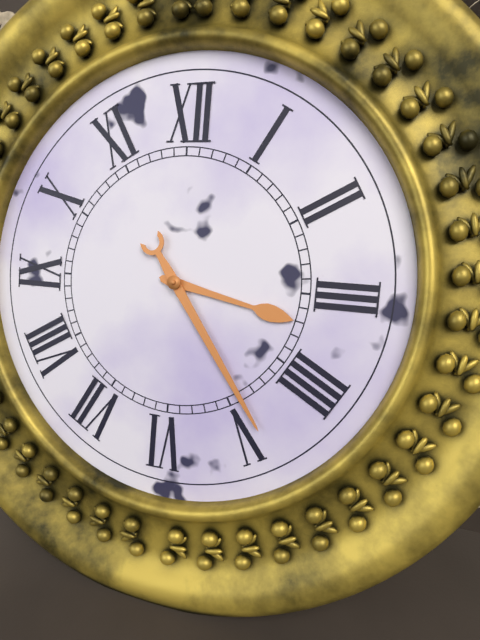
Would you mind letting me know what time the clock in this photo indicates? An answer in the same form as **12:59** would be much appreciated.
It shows **3:24**
